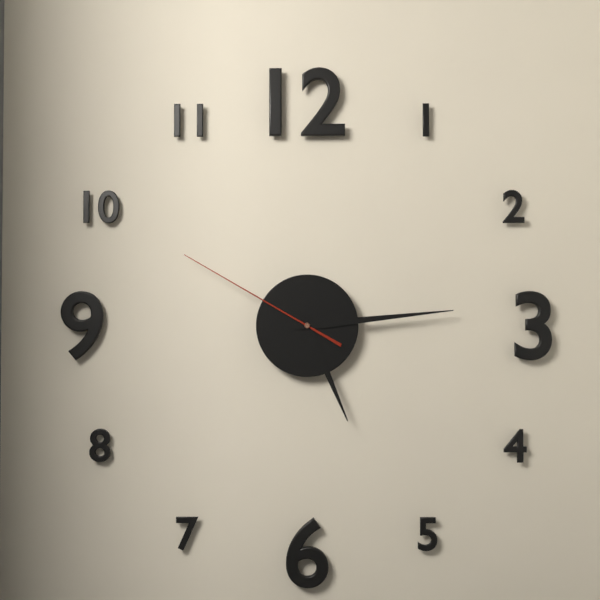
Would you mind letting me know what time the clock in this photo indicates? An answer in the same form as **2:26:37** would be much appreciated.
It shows **5:14:50**
